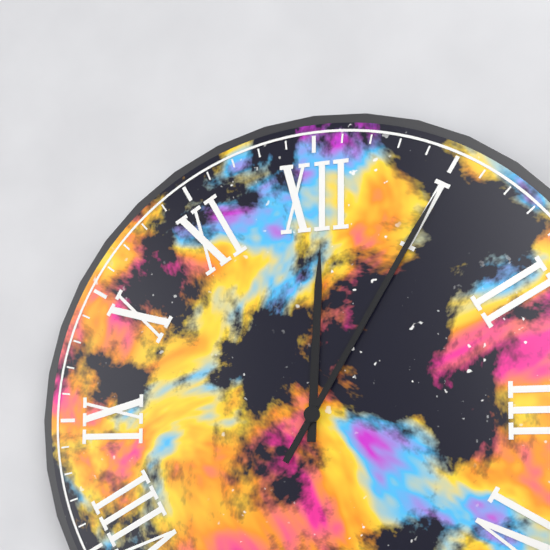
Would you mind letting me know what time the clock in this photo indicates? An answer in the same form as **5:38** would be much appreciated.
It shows **12:05**
